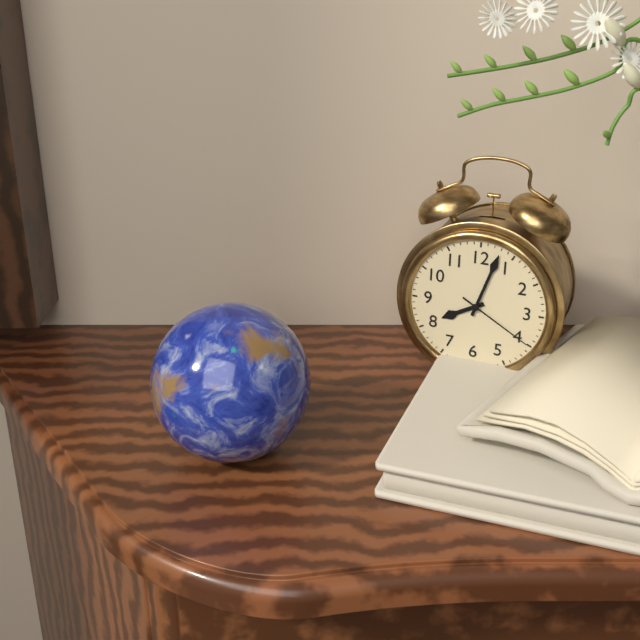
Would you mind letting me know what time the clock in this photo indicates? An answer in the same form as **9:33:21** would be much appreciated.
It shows **8:03:20**
